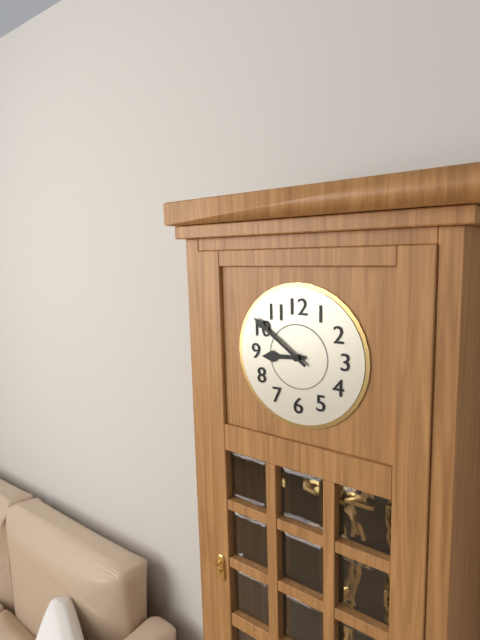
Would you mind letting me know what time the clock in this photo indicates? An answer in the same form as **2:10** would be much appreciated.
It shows **8:51**
